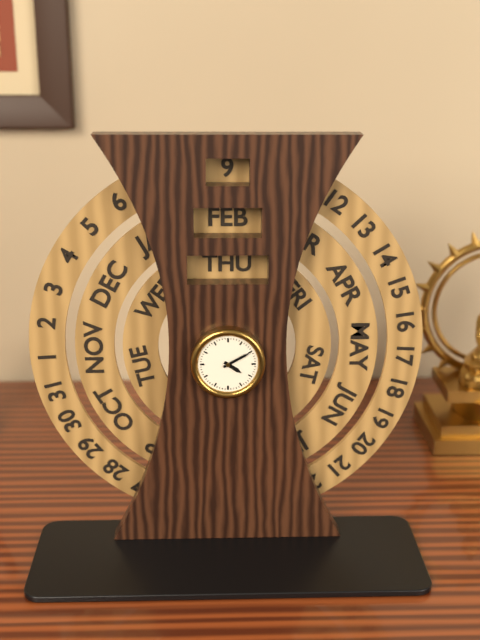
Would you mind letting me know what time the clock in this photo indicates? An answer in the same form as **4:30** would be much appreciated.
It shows **4:10**
